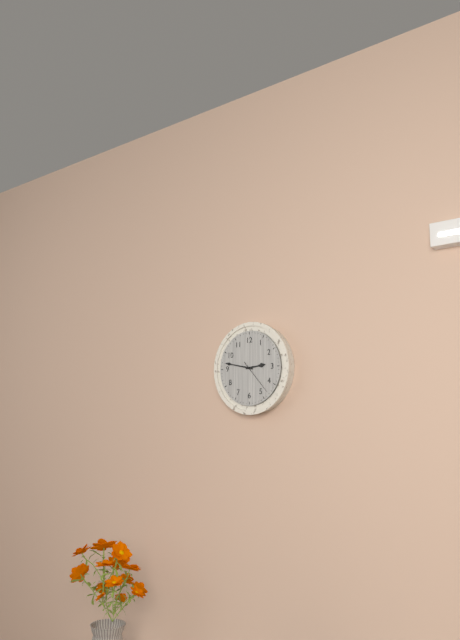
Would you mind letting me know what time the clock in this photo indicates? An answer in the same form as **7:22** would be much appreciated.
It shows **2:47**
